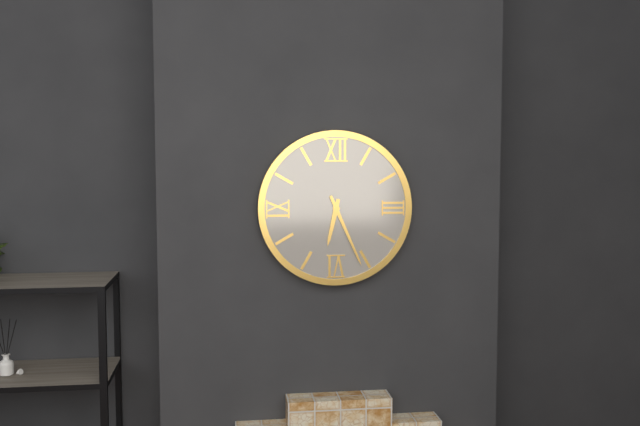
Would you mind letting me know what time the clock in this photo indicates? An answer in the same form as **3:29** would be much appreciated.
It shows **6:26**
